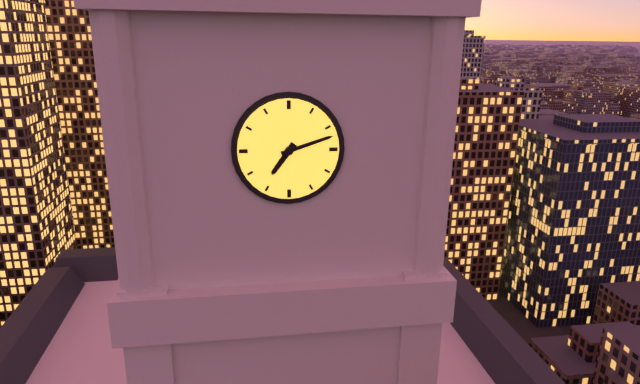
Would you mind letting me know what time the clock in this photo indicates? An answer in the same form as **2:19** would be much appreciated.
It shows **7:12**
